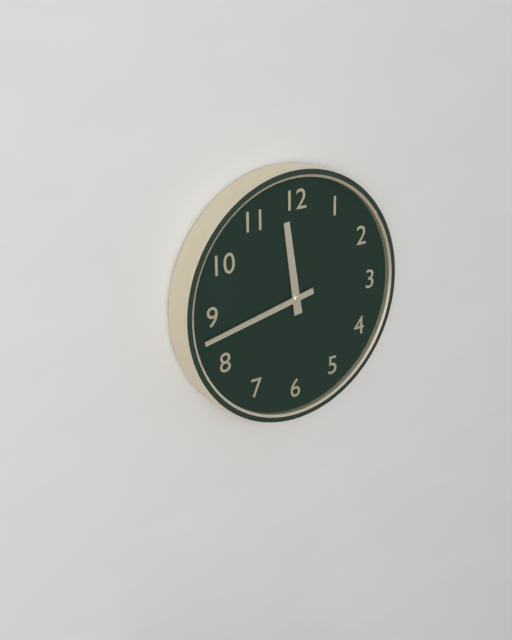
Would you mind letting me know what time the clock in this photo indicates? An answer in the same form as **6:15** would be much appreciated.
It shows **11:43**
